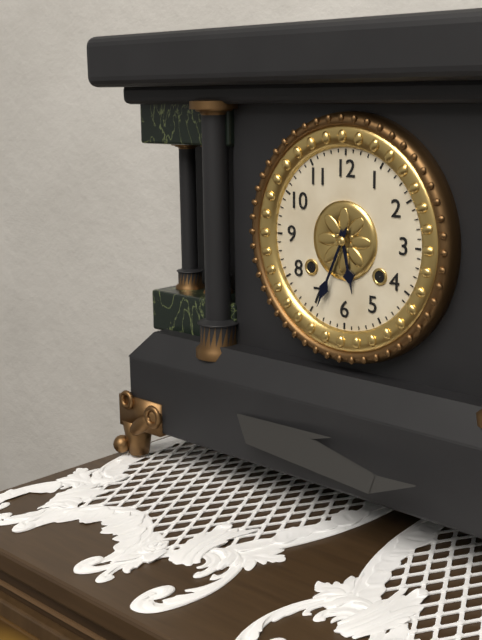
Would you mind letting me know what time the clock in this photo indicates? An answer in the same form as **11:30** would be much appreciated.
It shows **5:34**
